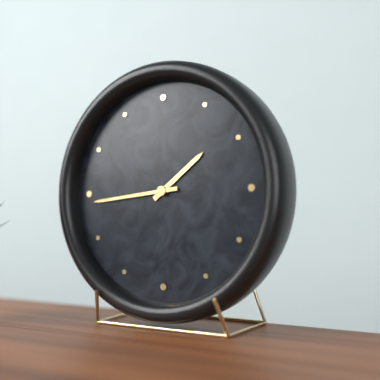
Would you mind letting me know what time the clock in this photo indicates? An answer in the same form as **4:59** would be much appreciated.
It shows **1:44**
